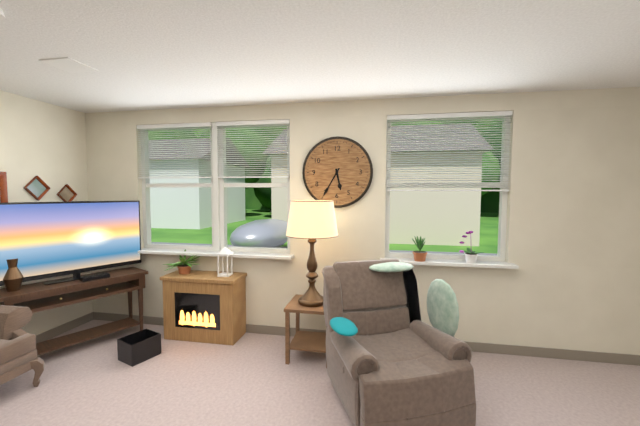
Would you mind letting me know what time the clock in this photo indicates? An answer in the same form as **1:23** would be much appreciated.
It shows **5:35**
